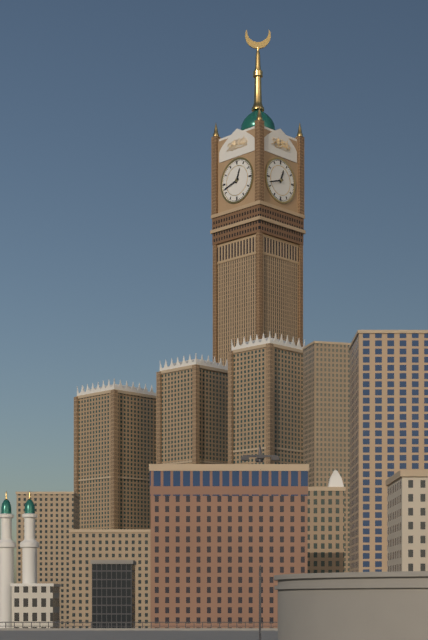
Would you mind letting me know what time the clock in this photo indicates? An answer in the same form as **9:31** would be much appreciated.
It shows **12:42**
